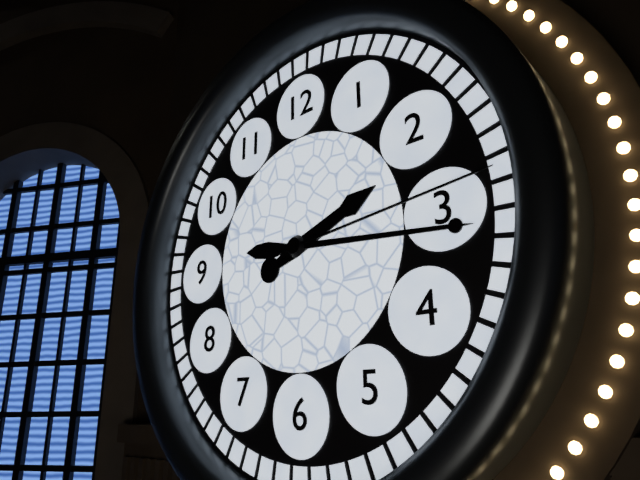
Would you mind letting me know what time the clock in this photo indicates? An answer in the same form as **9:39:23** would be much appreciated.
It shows **2:16:14**
